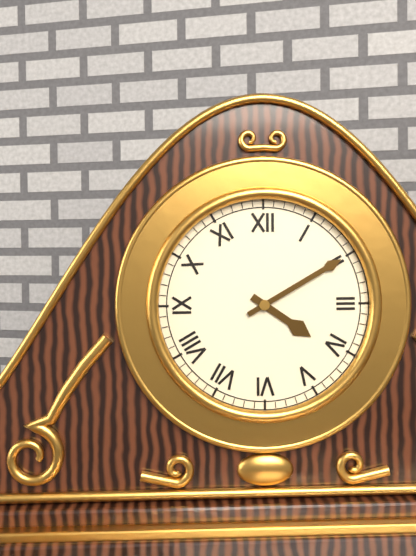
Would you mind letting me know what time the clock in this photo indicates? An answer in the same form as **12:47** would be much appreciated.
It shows **4:10**
